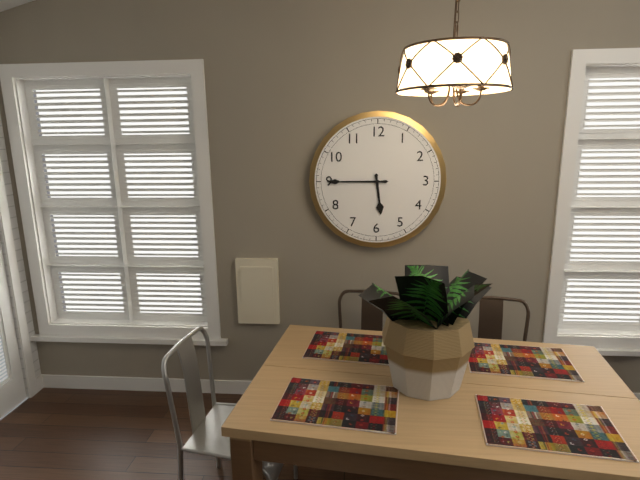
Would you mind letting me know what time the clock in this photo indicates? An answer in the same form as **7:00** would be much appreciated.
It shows **5:45**
